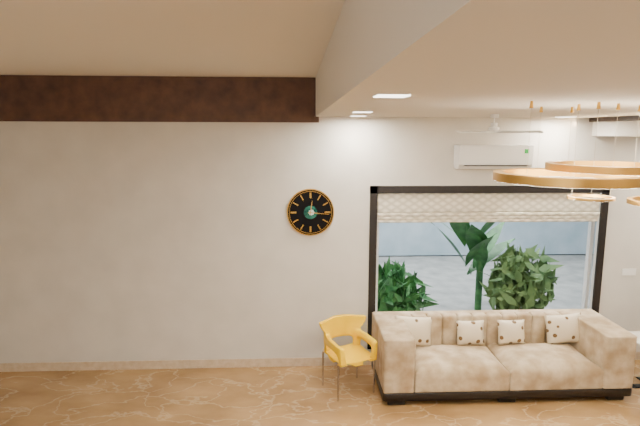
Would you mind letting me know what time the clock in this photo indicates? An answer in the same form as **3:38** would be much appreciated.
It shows **12:16**
